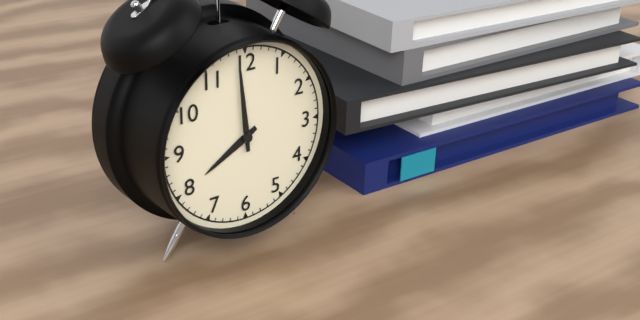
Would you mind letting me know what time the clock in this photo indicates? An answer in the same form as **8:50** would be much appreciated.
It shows **7:59**
